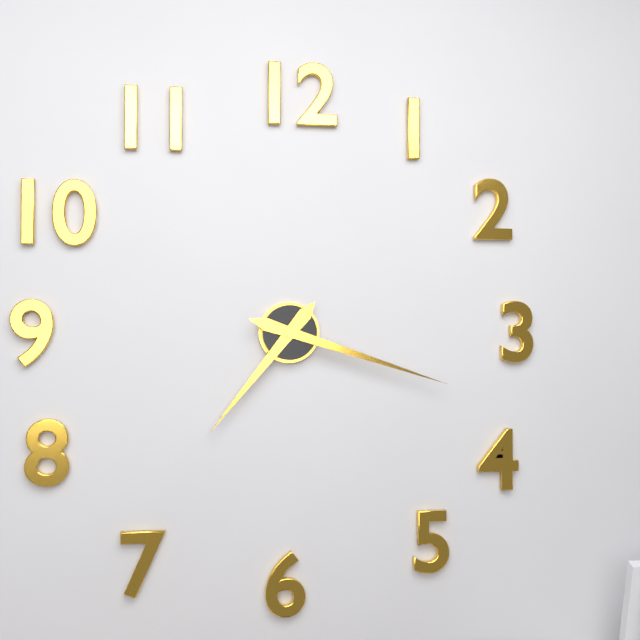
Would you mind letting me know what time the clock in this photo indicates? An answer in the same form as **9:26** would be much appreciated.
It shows **7:18**
